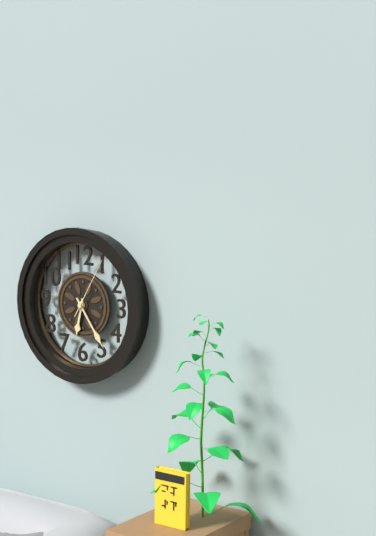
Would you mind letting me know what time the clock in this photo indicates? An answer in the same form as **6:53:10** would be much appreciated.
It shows **6:24:05**
